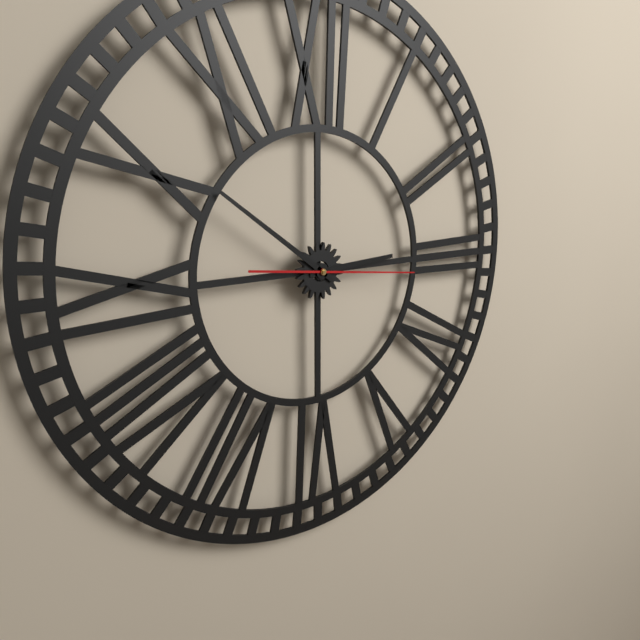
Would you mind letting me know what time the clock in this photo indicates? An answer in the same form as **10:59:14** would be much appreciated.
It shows **2:51:16**
